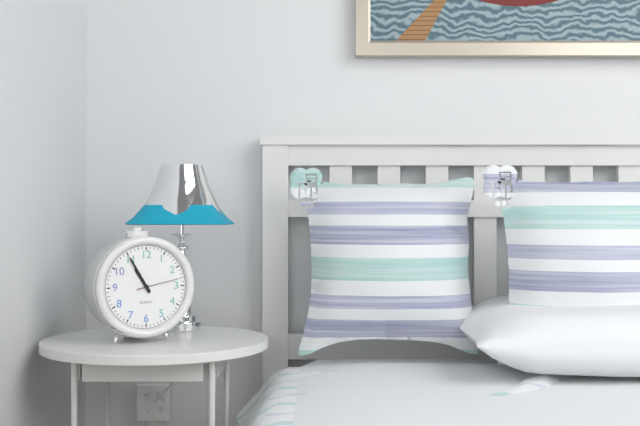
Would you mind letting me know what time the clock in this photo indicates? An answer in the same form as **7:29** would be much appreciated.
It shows **10:55**
